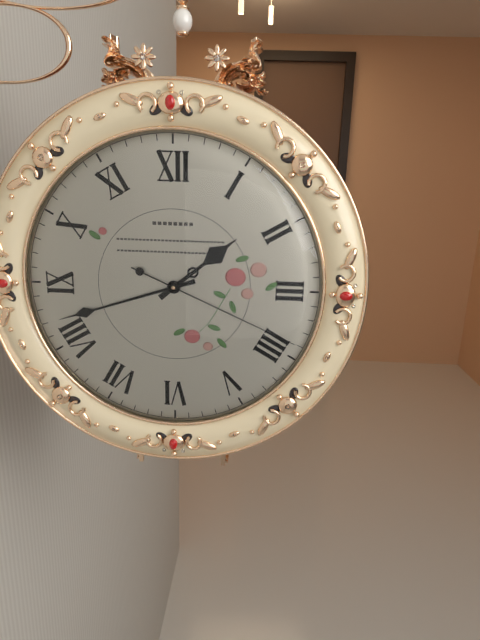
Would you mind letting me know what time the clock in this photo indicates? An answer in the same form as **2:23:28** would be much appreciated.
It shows **1:42:19**
